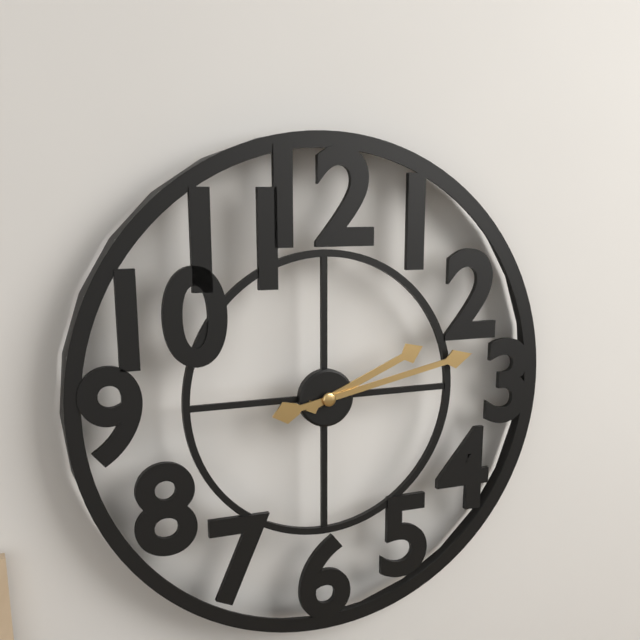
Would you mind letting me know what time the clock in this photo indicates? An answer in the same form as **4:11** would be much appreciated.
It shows **2:13**
